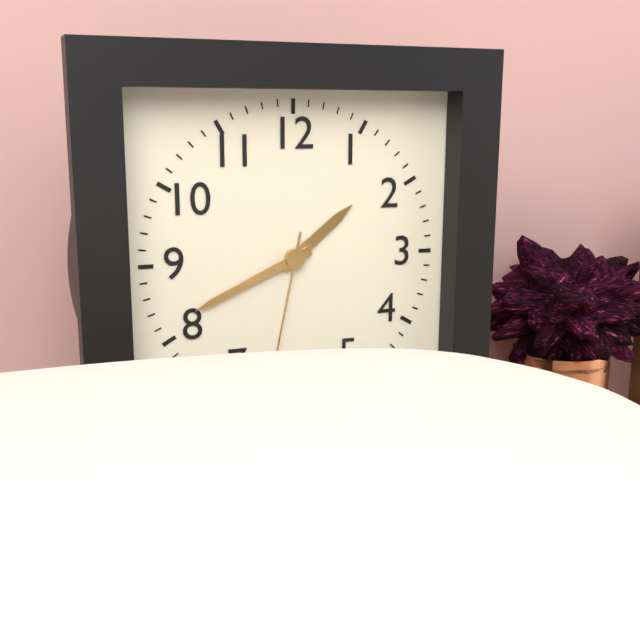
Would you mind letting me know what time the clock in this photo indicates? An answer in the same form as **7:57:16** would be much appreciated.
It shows **1:41:32**
